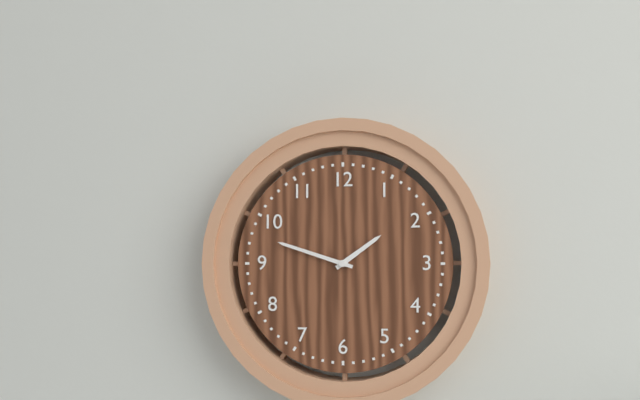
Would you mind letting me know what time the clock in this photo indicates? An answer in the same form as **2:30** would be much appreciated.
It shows **1:48**
